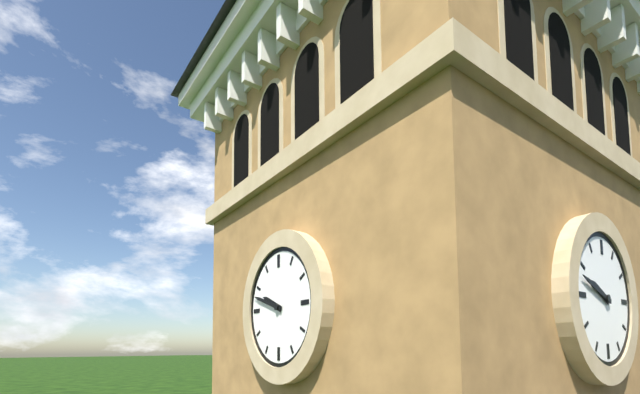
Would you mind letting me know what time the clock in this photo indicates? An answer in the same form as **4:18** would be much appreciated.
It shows **9:48**
